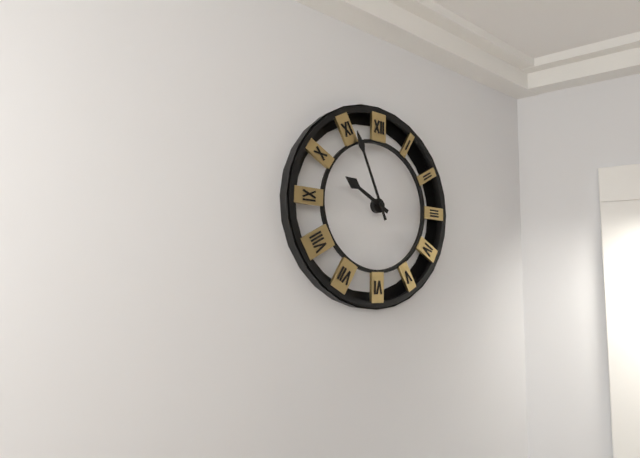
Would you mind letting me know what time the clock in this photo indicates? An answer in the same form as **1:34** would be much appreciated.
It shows **9:56**
